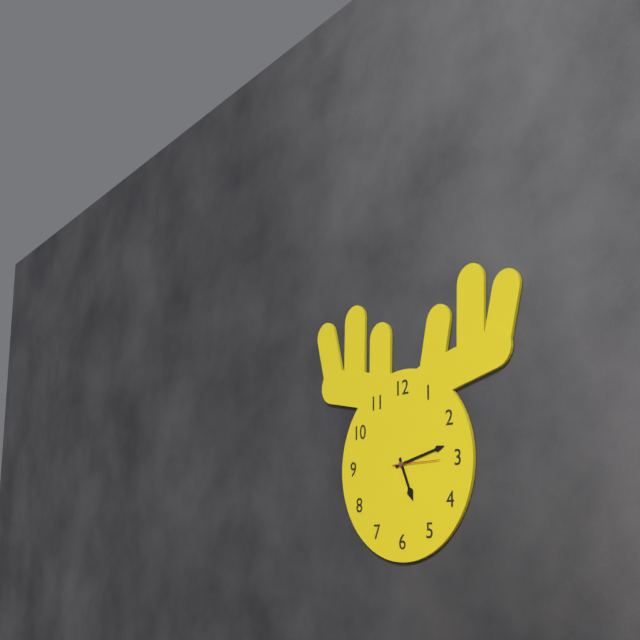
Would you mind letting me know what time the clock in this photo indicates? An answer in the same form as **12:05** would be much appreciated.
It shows **5:13**
